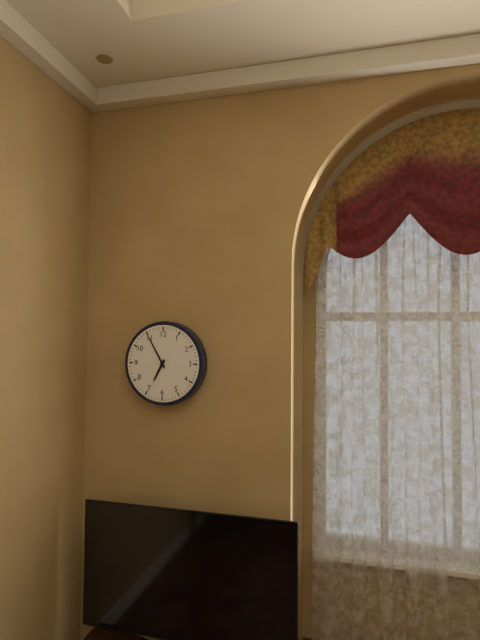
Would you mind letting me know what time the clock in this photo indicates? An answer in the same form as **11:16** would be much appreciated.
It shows **6:55**
